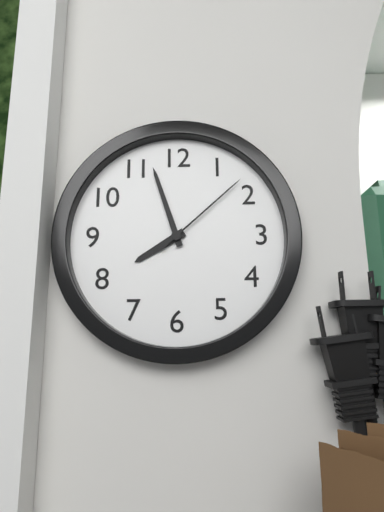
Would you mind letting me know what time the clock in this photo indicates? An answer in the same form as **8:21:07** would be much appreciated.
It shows **7:57:08**
